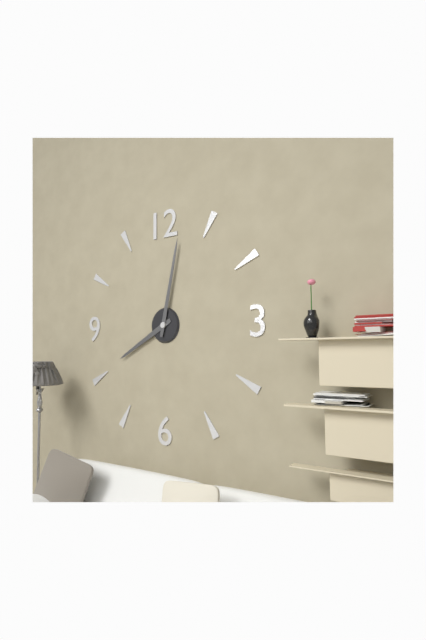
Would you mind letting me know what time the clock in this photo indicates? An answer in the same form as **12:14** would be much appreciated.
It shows **8:02**
